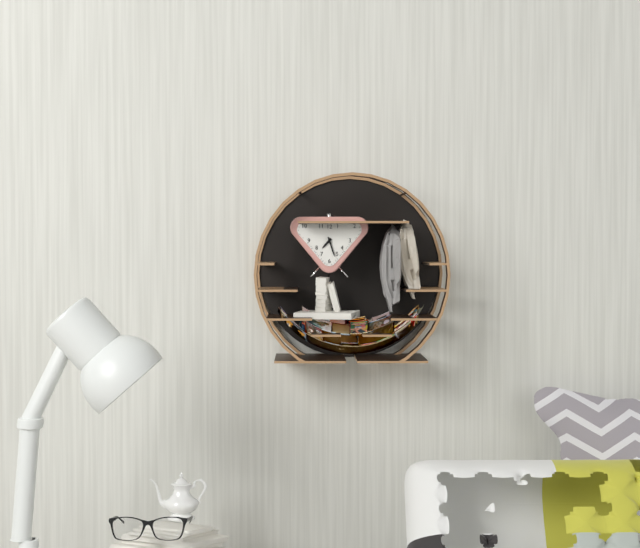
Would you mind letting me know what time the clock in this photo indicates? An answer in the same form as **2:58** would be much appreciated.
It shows **7:27**
